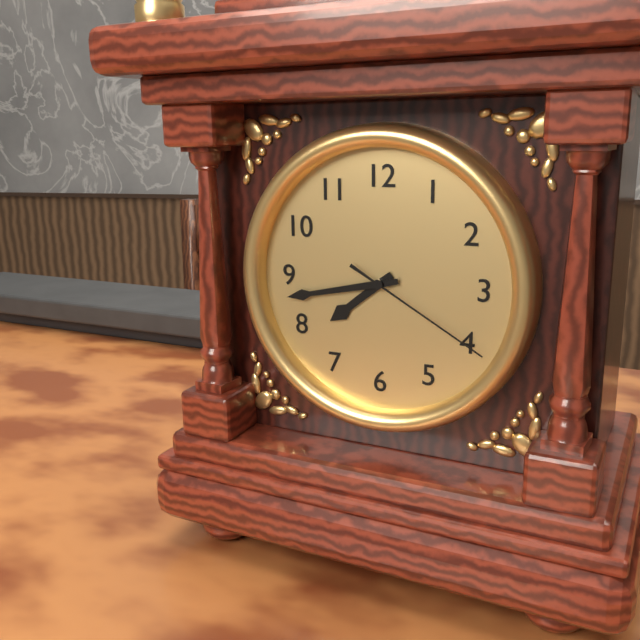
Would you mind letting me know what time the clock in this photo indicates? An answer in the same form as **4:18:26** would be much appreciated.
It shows **7:43:20**
